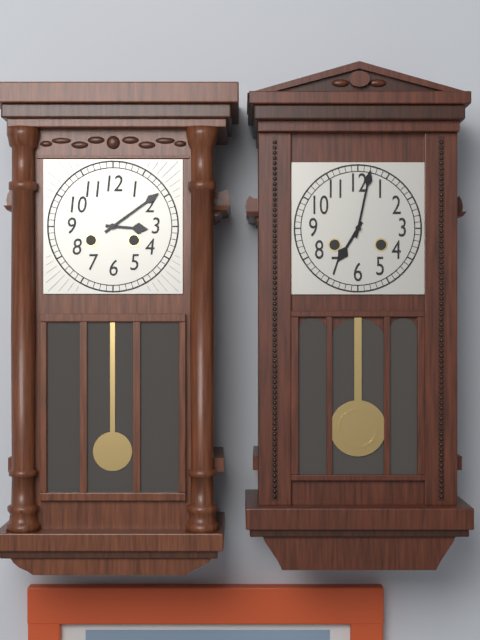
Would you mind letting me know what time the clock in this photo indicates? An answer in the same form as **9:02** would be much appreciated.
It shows **3:09**
